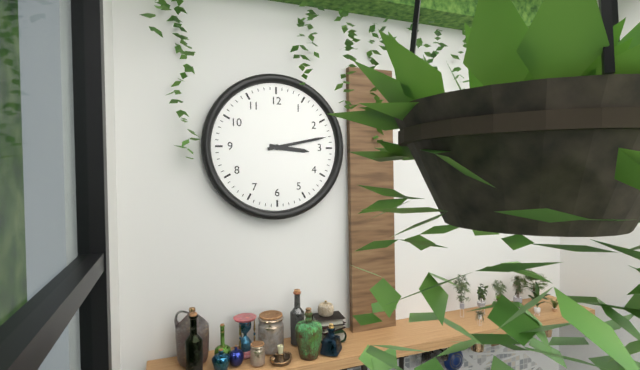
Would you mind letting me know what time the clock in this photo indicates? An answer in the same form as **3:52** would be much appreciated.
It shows **3:13**
